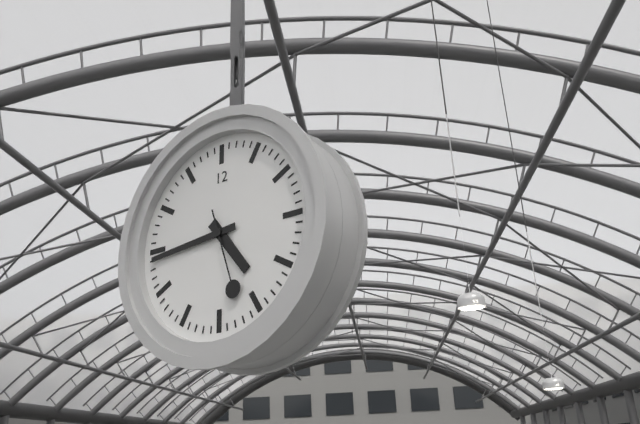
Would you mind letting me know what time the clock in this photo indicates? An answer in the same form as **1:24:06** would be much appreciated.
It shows **4:44:27**
